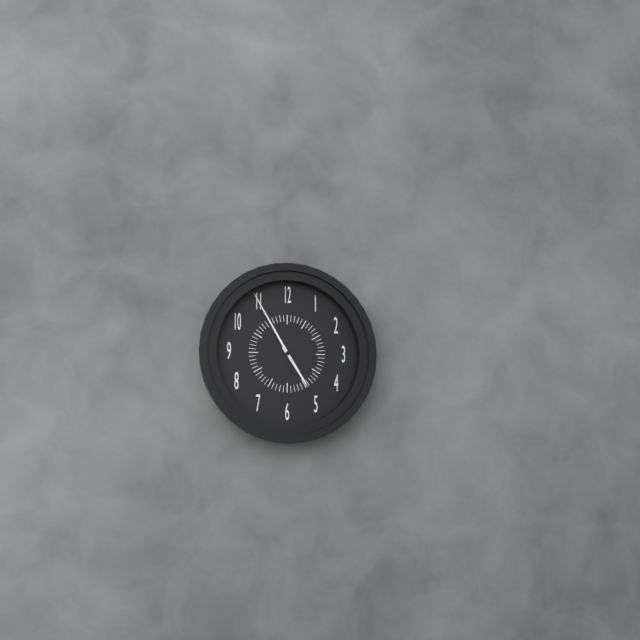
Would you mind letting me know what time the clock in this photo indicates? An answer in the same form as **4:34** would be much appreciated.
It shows **4:55**
